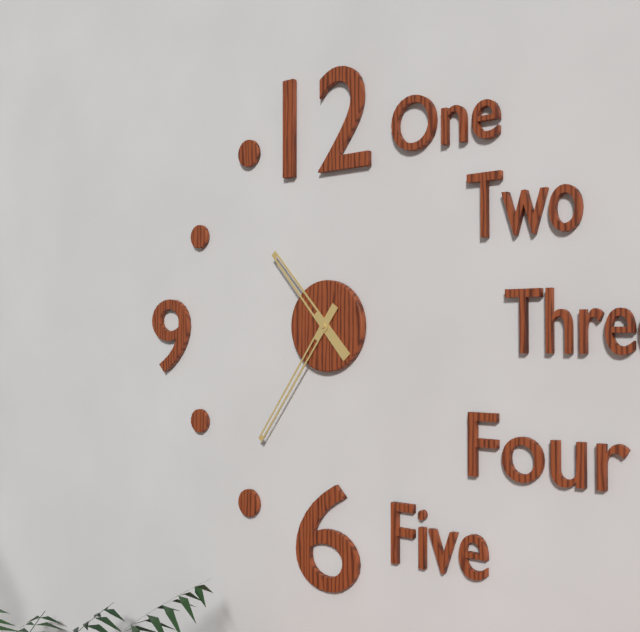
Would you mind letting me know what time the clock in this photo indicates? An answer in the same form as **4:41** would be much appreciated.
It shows **10:36**
